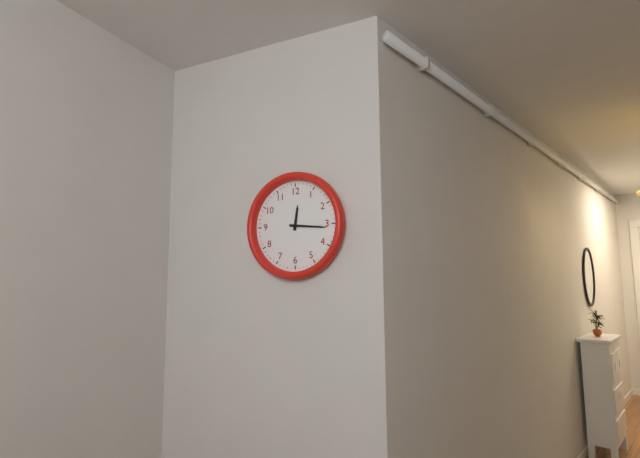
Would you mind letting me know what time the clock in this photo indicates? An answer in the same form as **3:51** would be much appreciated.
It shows **12:16**
